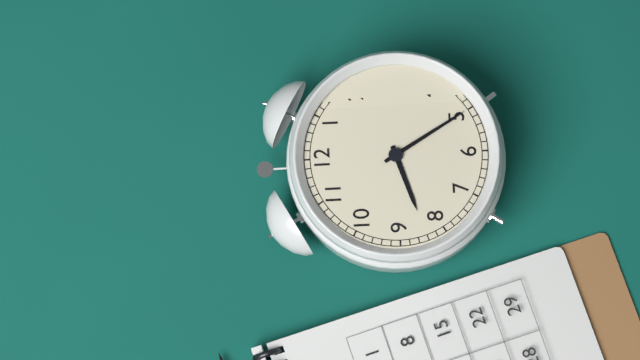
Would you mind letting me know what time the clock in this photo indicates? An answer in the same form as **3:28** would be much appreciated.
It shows **8:25**
